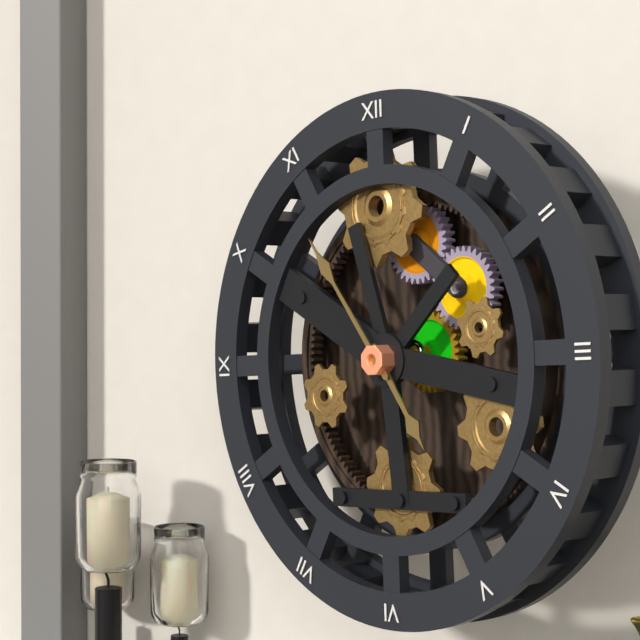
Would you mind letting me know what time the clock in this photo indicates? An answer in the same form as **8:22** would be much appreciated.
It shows **4:54**
